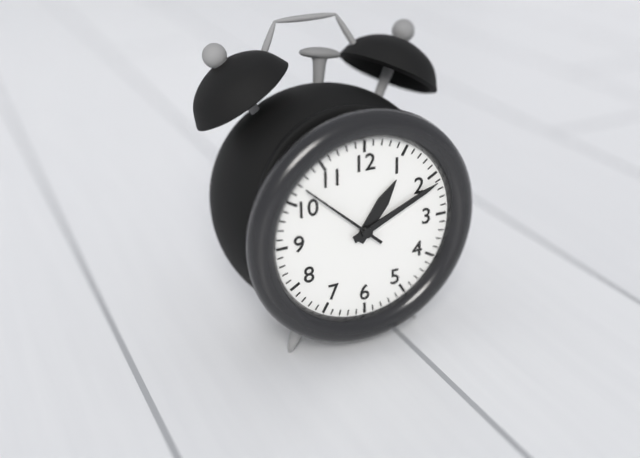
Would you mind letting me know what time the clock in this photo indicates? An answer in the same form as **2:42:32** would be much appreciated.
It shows **1:11:52**
